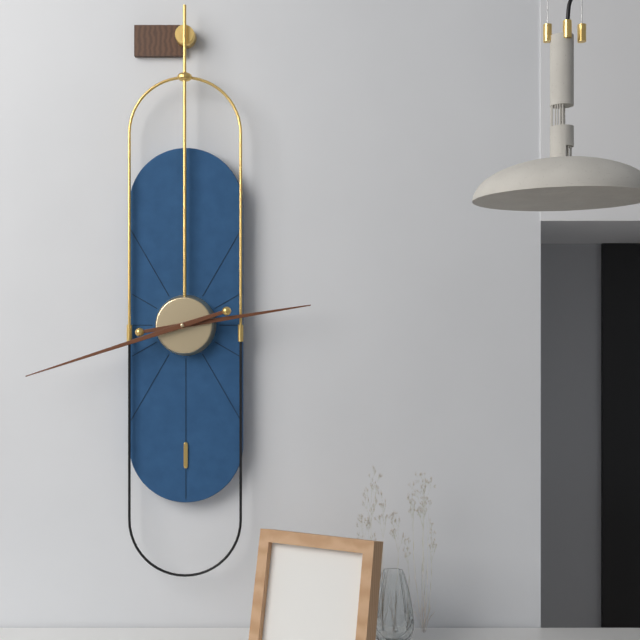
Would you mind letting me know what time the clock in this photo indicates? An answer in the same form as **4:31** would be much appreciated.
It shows **2:42**
